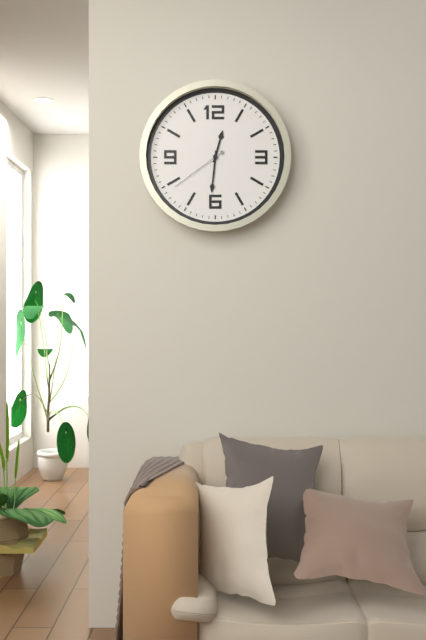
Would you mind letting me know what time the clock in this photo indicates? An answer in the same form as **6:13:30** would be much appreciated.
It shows **12:31:39**
